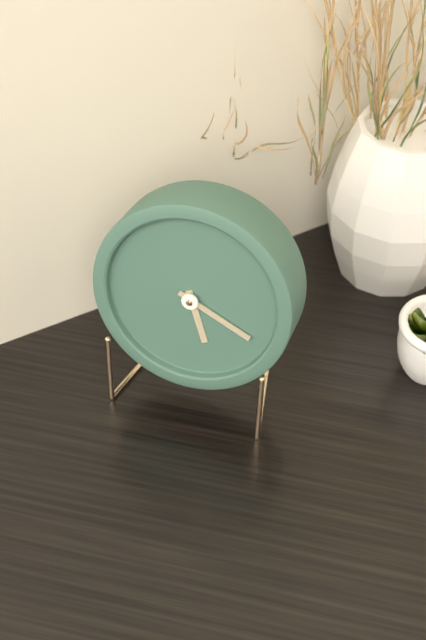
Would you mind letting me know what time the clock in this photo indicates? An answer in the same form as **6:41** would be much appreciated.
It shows **5:19**
